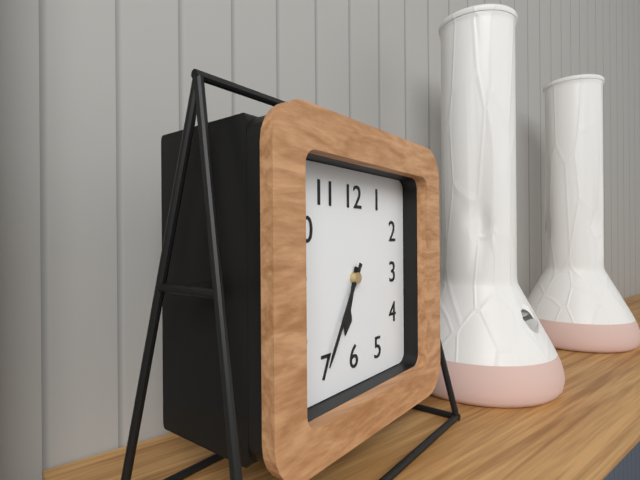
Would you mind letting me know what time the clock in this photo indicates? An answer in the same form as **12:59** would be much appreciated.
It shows **6:35**
